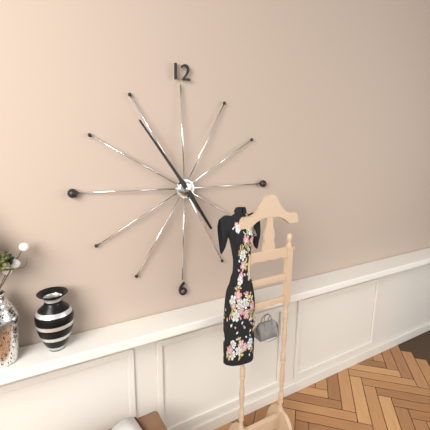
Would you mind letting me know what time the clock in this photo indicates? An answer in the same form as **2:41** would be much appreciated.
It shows **4:54**
